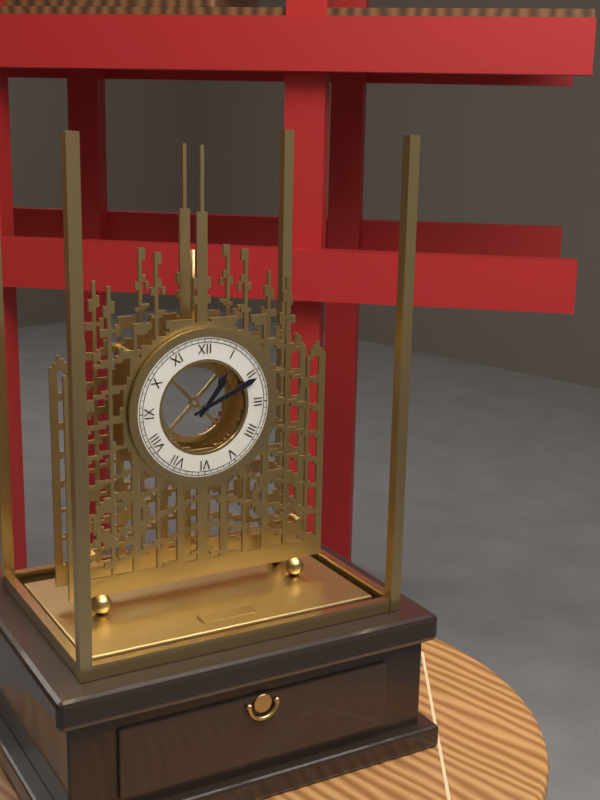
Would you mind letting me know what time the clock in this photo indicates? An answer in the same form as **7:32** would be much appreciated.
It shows **1:11**
